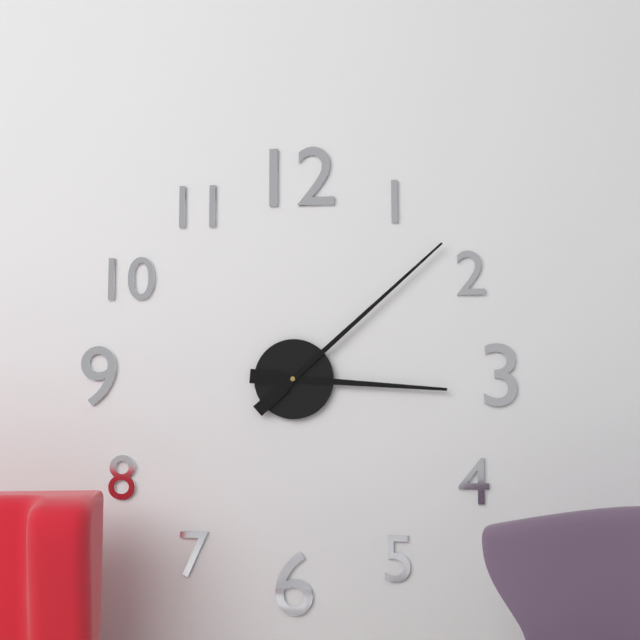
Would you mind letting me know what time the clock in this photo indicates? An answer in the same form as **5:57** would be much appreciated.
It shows **3:08**
